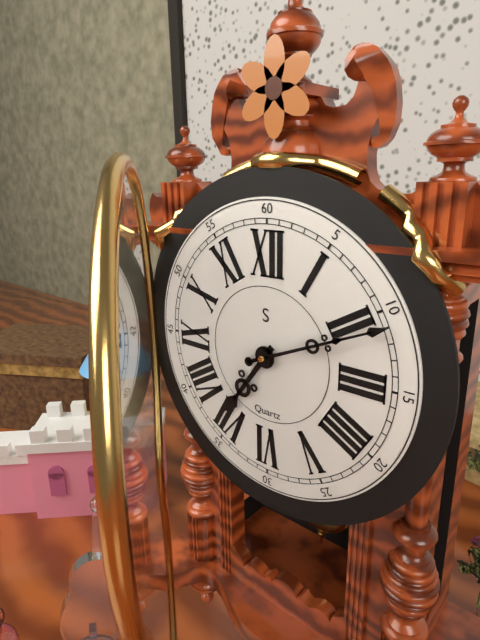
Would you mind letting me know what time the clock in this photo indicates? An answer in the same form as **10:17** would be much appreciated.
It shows **7:11**
